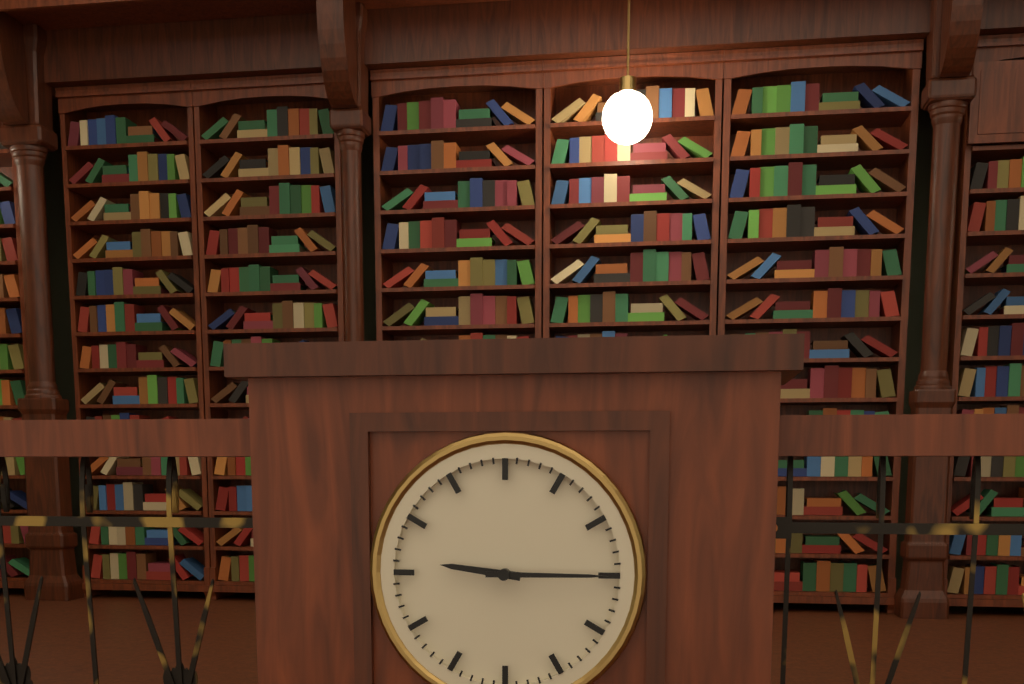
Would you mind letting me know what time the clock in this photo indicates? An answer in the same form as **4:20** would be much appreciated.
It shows **9:15**
